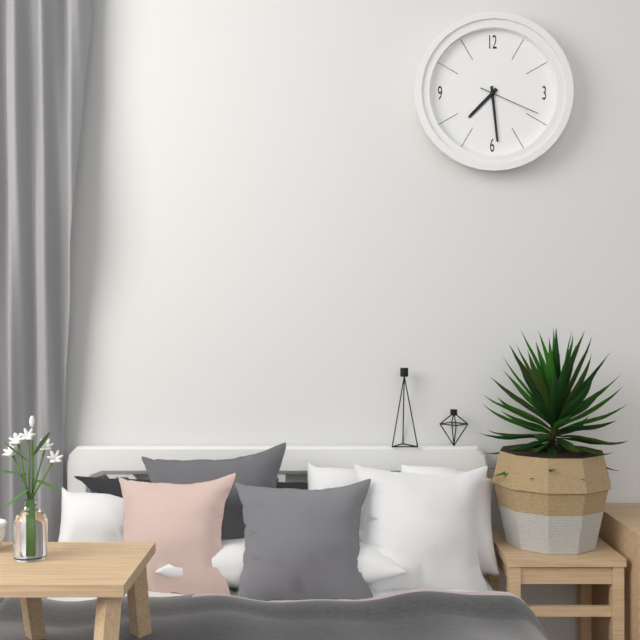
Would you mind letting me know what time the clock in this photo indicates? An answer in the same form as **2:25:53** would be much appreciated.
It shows **7:29:19**
